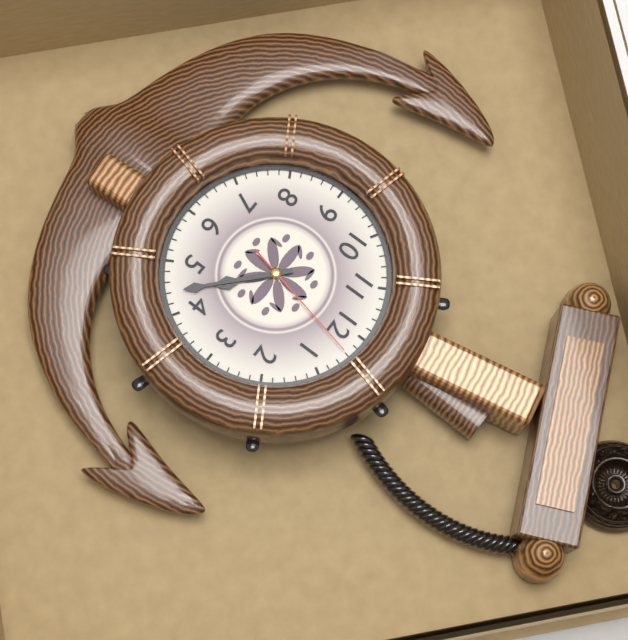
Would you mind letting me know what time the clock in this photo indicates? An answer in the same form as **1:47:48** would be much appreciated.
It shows **4:22:02**
